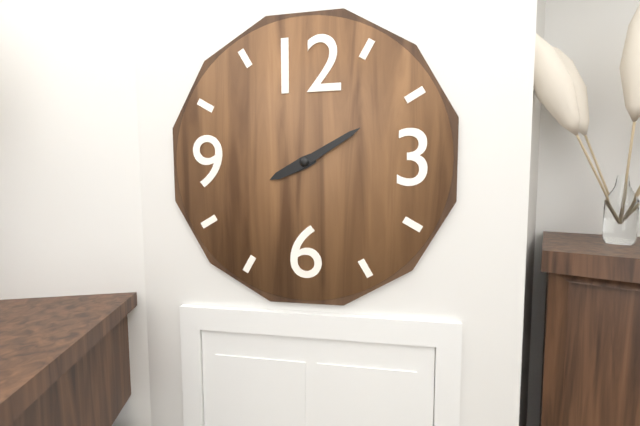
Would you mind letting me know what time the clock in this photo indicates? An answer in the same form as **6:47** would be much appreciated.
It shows **8:10**
